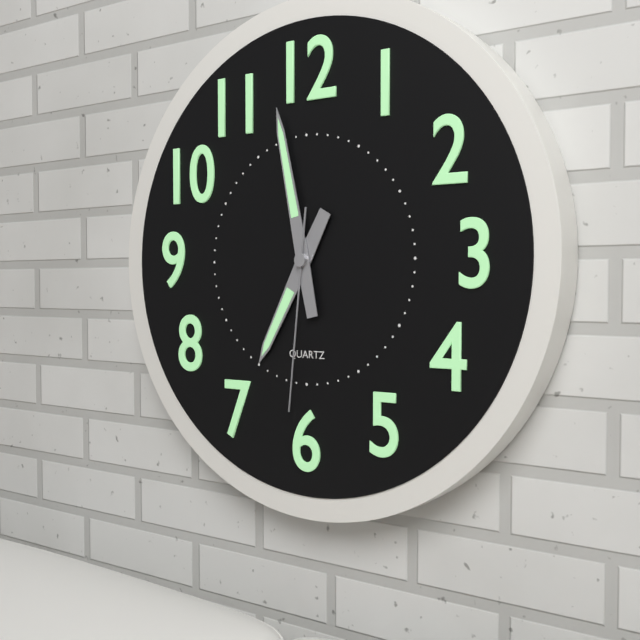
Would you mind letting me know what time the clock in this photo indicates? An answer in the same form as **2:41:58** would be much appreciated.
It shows **6:58:31**
